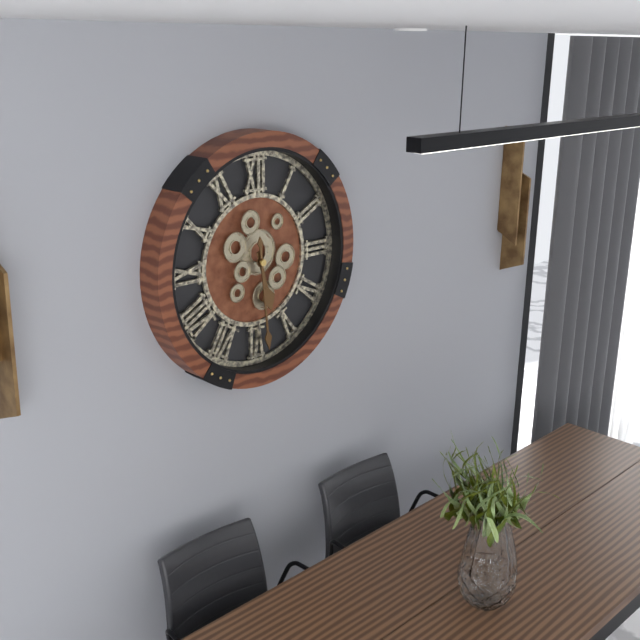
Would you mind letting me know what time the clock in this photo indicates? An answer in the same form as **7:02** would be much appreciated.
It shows **5:29**
